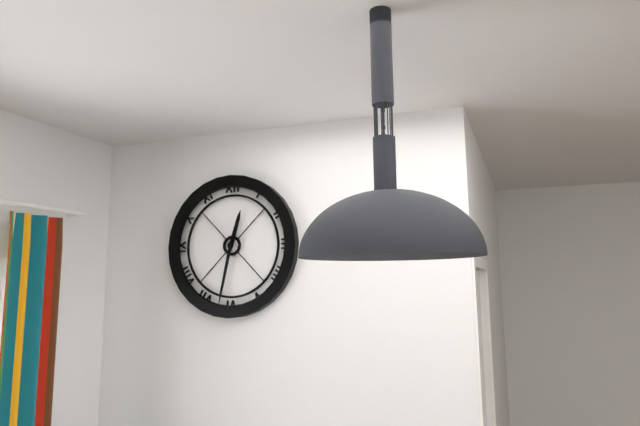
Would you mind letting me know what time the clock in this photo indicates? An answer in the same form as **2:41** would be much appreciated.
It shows **12:32**
